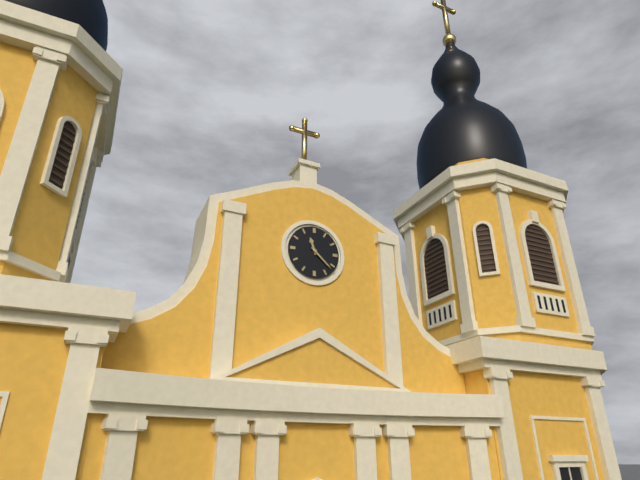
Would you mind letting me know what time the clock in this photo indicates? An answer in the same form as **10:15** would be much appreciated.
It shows **11:22**
